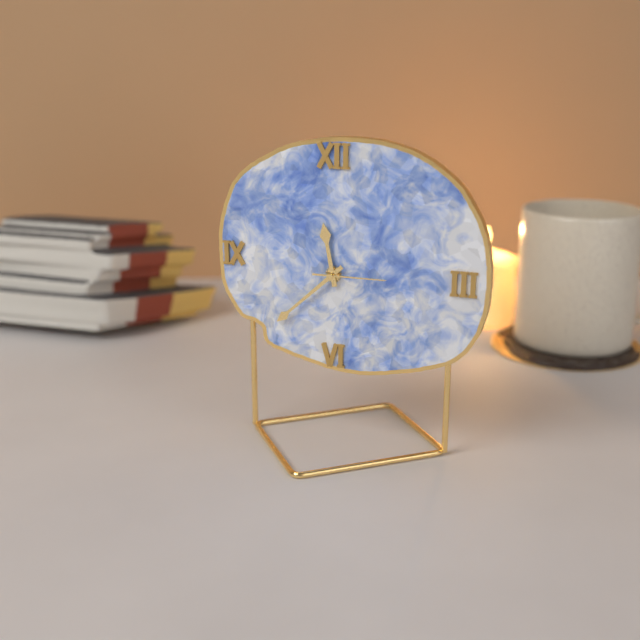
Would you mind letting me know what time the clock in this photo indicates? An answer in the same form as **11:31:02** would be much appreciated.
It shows **11:38:15**
